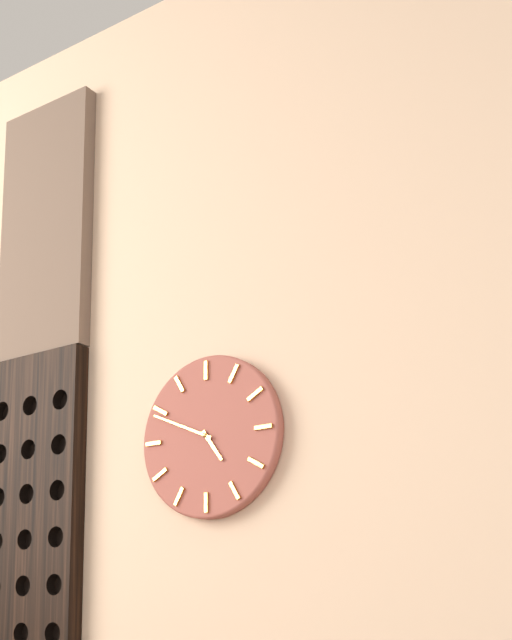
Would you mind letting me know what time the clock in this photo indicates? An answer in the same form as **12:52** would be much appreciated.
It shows **4:49**
